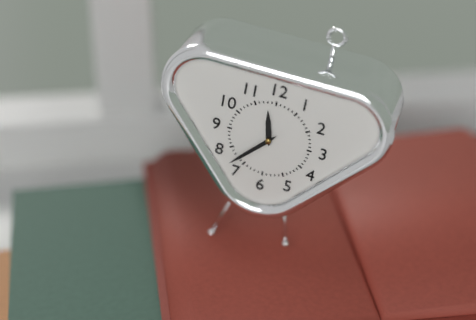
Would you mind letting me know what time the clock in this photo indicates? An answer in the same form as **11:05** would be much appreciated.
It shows **11:37**
